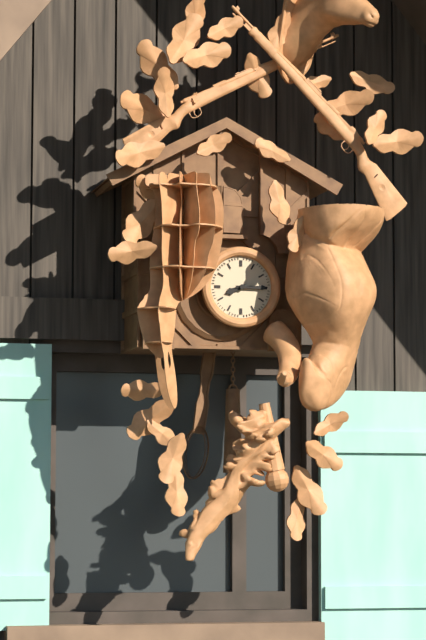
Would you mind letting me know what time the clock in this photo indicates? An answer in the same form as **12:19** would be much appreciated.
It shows **8:15**
